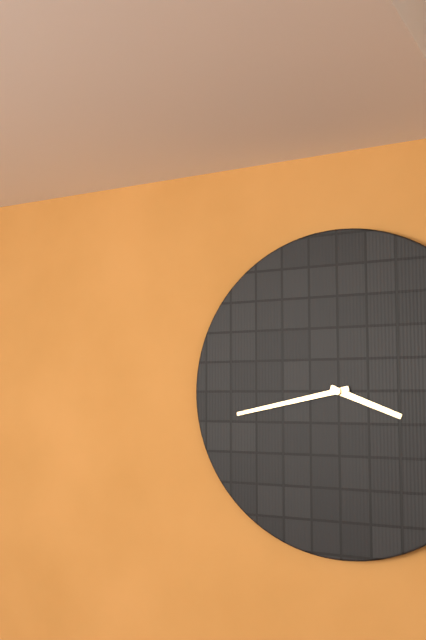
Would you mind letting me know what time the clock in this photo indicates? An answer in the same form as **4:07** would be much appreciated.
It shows **3:43**
